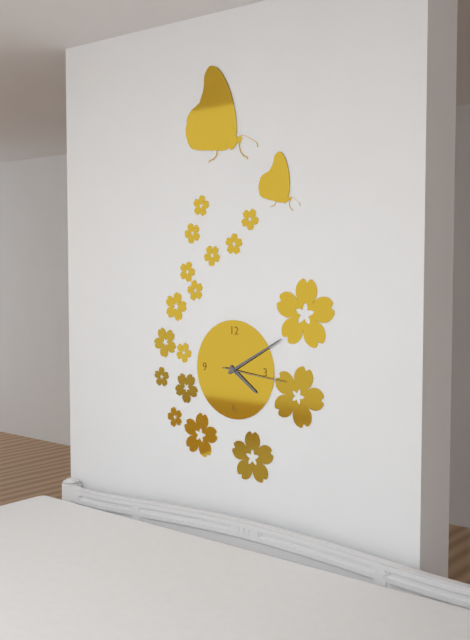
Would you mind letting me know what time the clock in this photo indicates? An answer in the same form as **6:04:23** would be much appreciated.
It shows **4:10:16**
